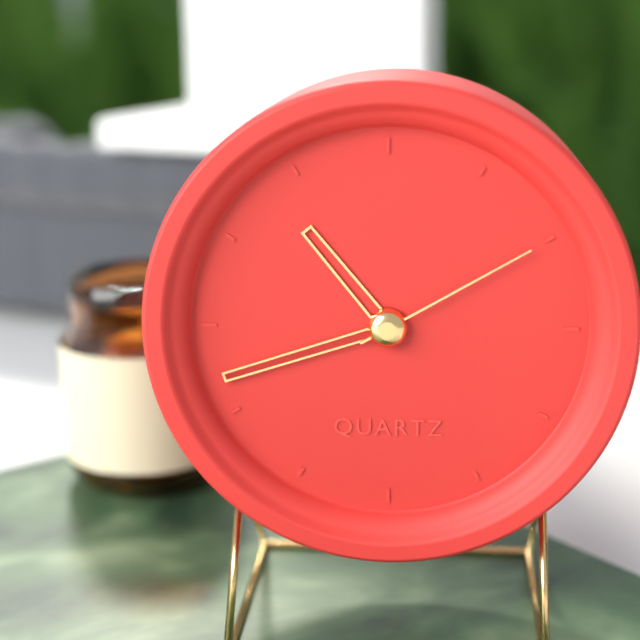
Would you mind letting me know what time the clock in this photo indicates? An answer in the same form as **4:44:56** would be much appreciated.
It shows **10:42:10**
